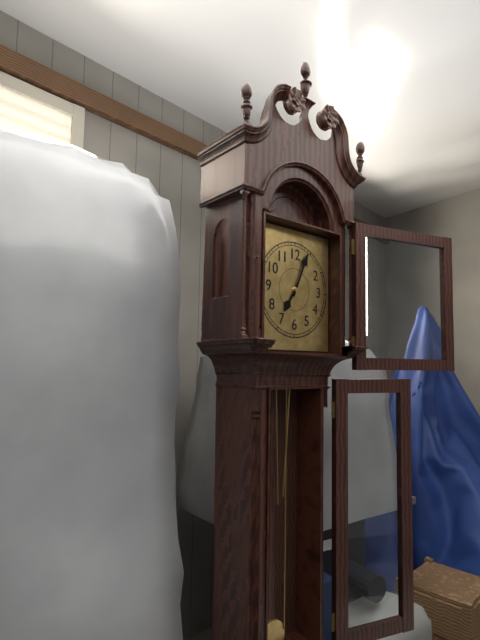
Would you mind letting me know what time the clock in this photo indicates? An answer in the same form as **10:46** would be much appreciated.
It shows **7:04**
